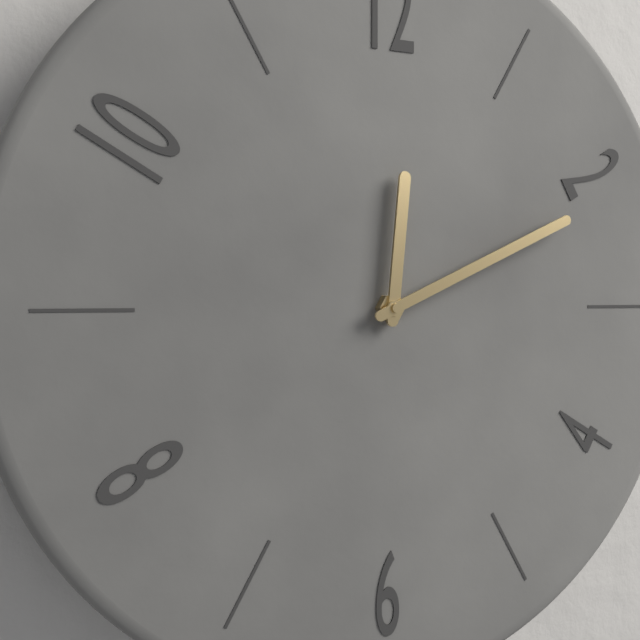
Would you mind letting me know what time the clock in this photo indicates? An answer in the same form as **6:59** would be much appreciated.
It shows **12:11**
